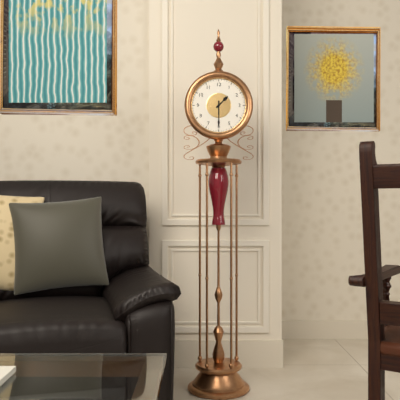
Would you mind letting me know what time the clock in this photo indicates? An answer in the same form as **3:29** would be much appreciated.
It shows **1:30**
